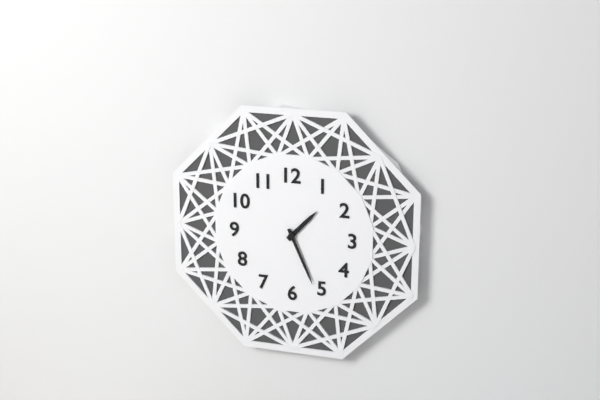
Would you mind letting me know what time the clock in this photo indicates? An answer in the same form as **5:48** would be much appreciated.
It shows **1:26**
